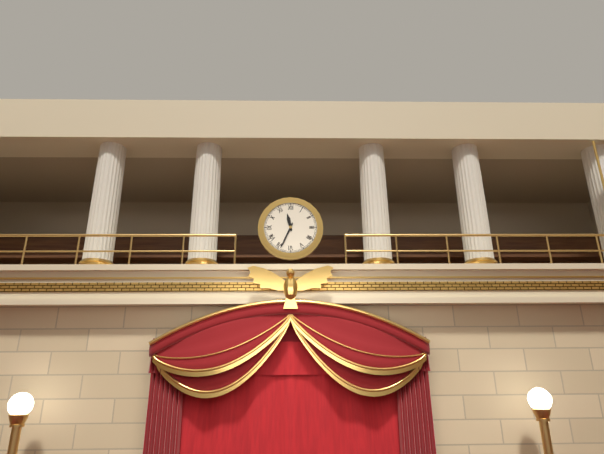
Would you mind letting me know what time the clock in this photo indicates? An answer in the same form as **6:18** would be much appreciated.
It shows **11:34**
